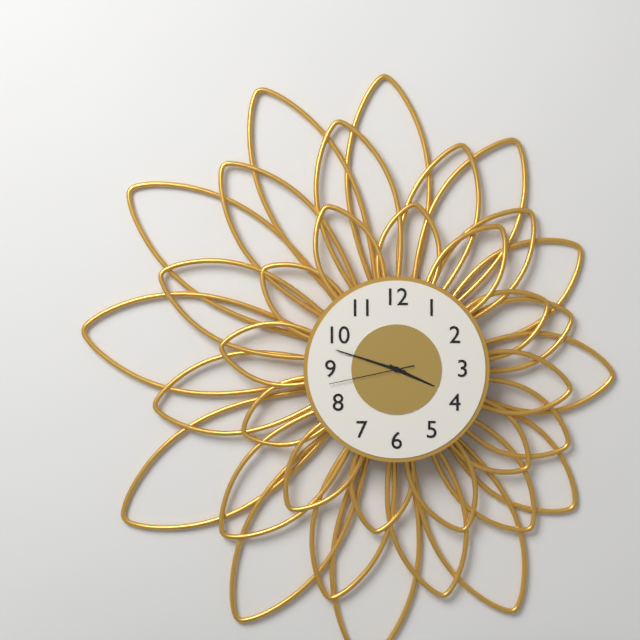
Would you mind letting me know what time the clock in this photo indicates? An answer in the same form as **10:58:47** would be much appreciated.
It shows **3:48:43**
